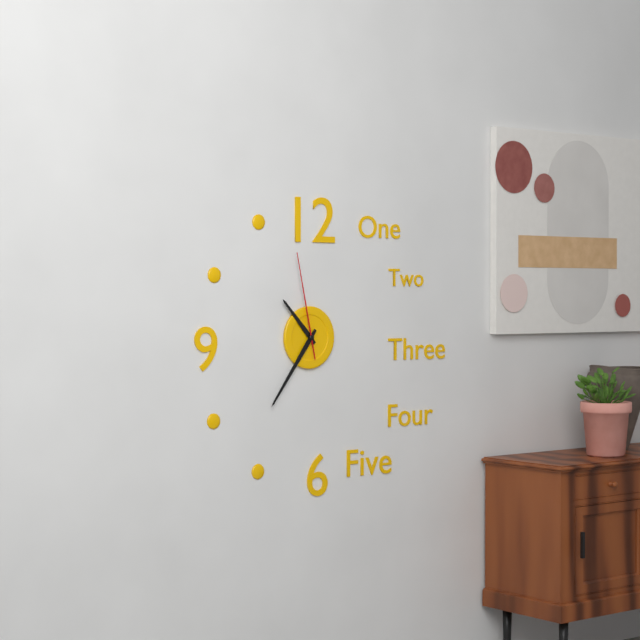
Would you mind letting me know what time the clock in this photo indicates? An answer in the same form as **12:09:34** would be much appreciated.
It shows **10:36:58**
